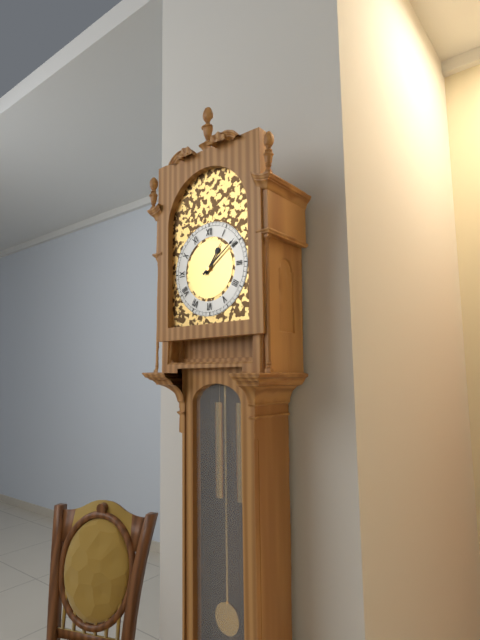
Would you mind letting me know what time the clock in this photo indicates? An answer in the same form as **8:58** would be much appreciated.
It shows **1:09**
